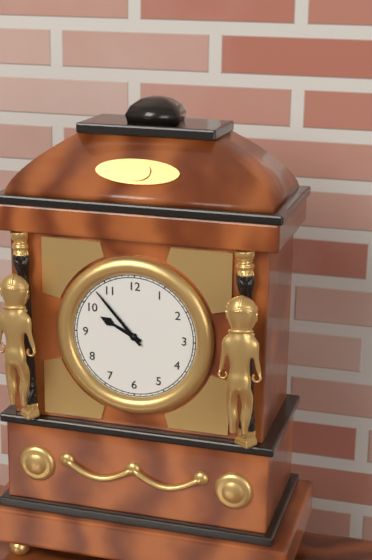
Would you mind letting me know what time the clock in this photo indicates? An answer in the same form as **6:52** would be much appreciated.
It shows **9:53**
